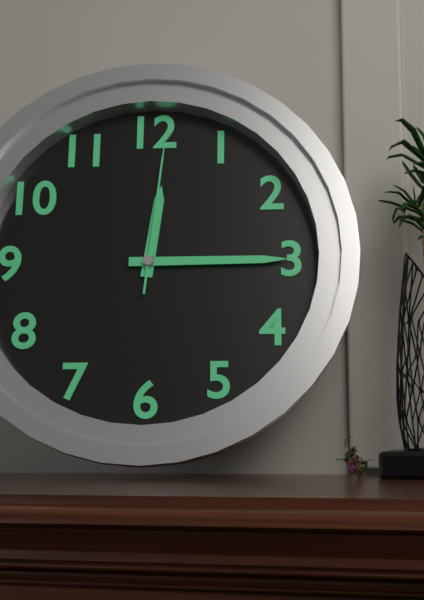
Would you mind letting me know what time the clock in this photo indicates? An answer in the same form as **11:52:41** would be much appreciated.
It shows **12:15:01**
